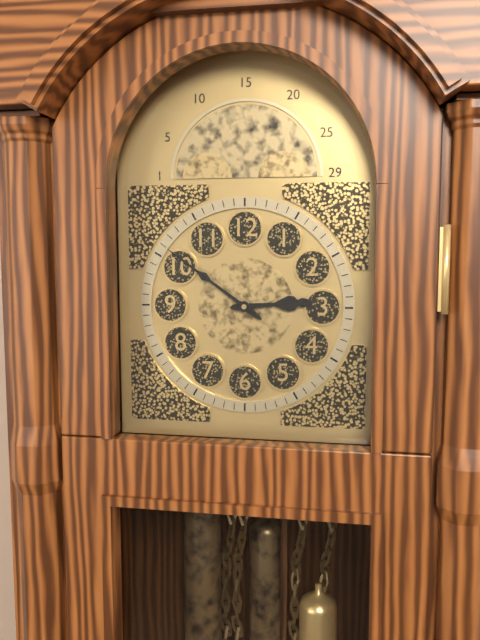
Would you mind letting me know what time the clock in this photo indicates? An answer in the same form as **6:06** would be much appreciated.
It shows **2:51**
